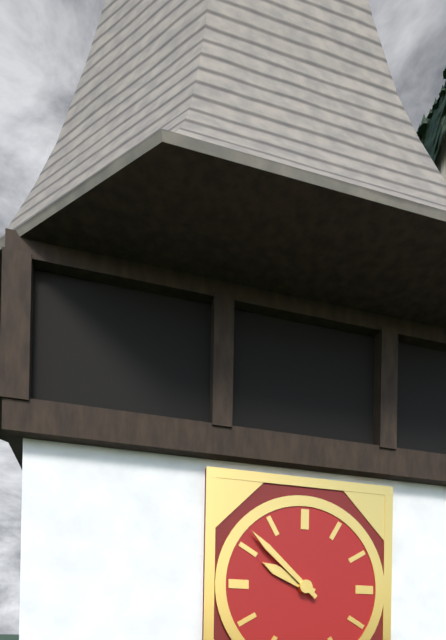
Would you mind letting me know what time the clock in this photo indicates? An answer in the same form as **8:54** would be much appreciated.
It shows **9:52**
